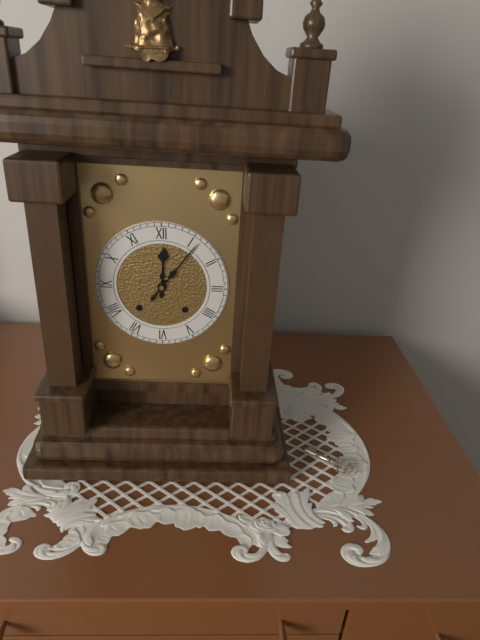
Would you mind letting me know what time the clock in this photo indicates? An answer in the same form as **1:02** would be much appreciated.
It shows **12:06**
